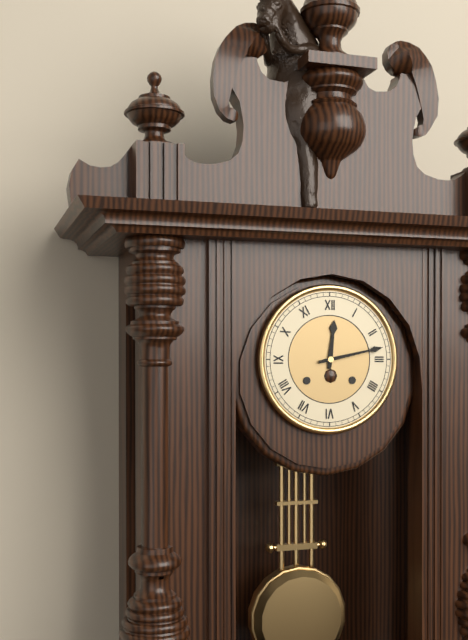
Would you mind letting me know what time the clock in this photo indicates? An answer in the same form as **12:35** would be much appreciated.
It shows **12:13**
